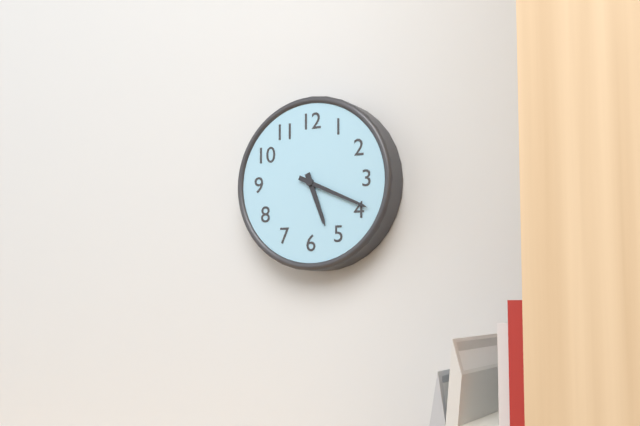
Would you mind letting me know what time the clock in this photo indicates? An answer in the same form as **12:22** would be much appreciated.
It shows **5:19**
